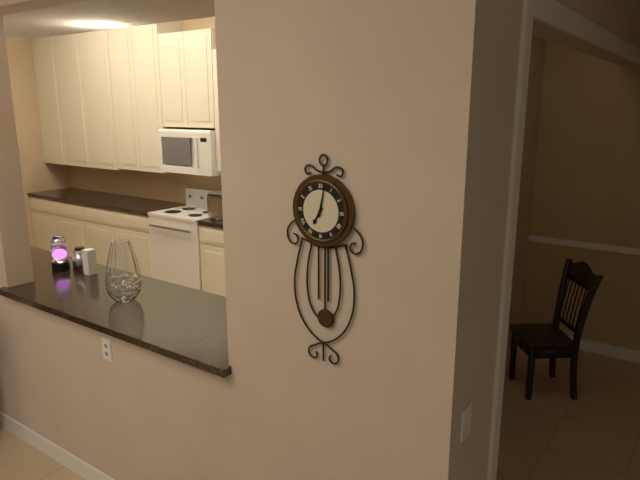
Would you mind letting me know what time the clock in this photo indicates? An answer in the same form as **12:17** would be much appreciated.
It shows **7:02**
